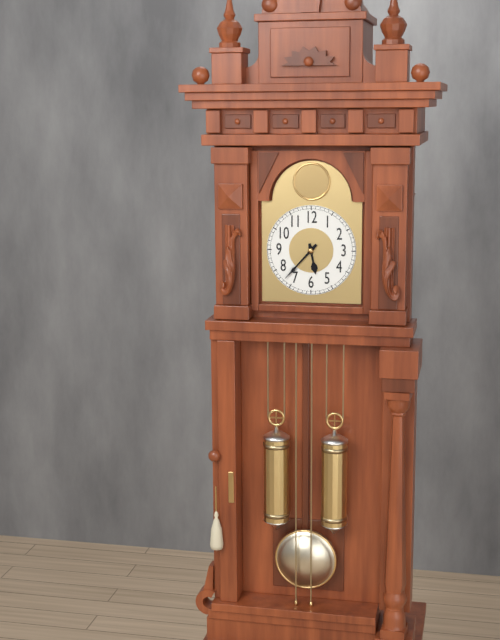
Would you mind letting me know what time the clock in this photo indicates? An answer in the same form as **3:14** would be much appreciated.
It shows **5:37**
